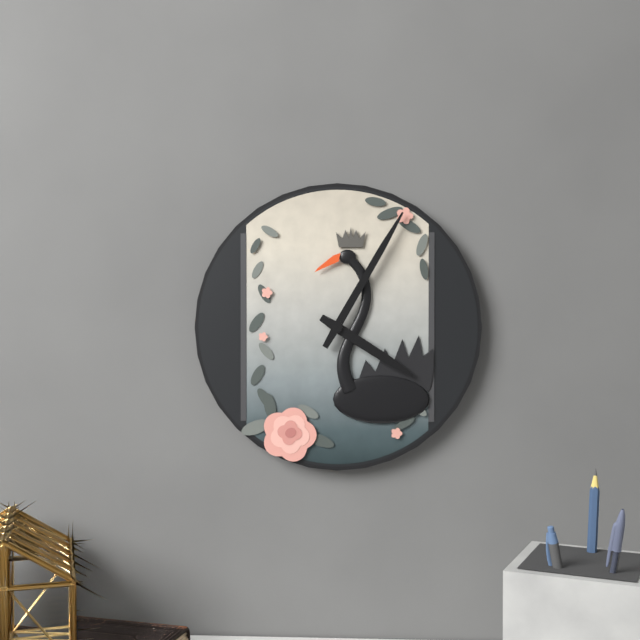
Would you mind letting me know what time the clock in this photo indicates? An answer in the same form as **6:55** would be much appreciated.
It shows **4:05**
